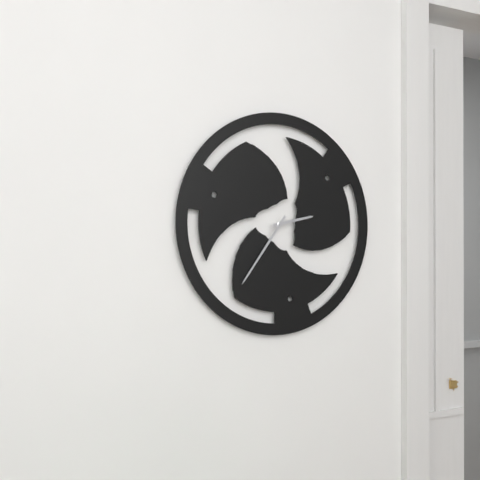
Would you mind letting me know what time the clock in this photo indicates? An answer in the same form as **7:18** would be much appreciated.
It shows **2:36**
